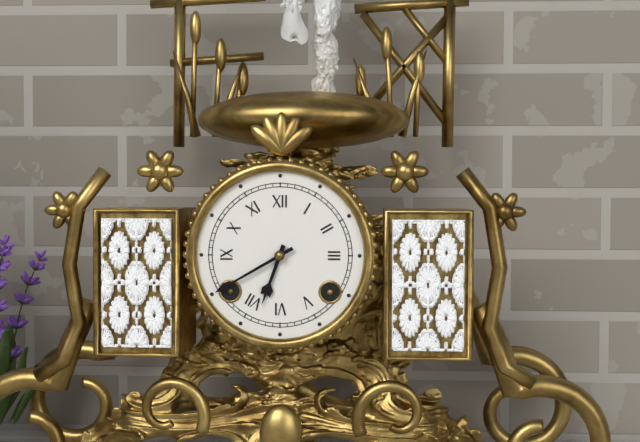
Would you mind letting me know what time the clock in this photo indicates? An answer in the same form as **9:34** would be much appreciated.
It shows **6:40**
